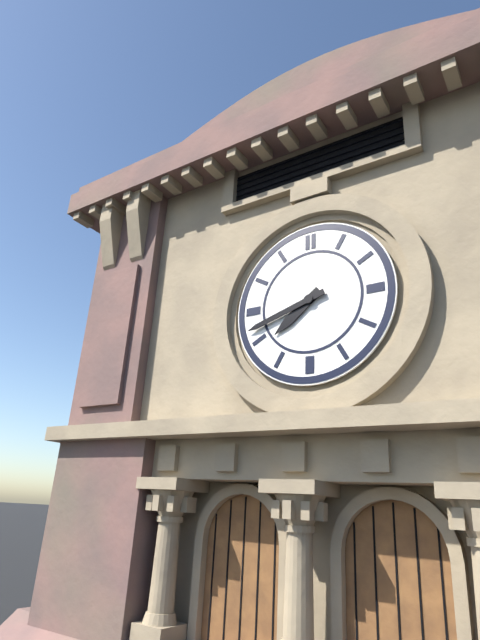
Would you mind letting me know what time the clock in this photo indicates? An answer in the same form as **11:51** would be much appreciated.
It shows **7:42**
